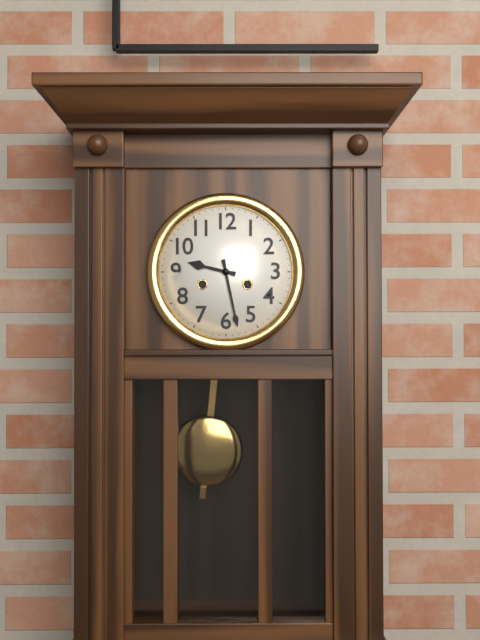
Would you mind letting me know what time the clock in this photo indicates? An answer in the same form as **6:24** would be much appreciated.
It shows **9:28**
